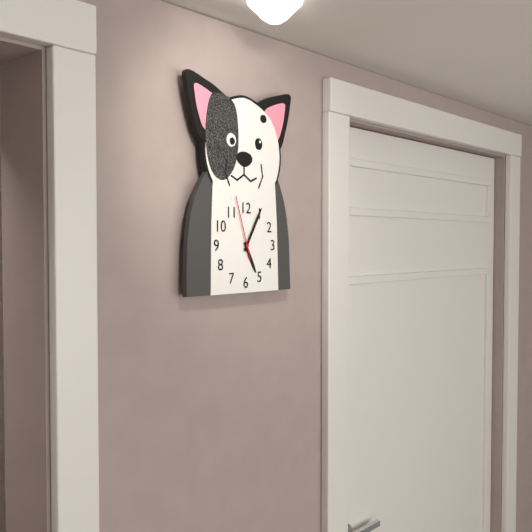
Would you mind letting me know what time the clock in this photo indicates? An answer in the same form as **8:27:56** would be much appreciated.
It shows **5:05:57**
